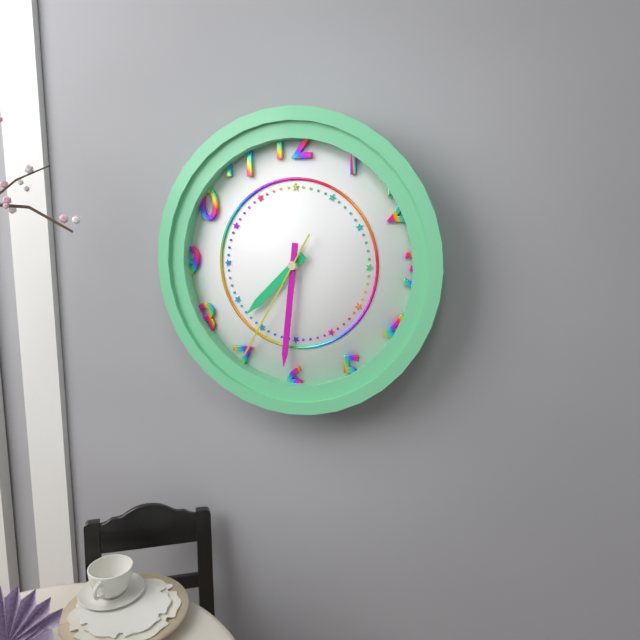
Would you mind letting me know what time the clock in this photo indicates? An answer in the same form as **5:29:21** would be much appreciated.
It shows **7:31:35**
